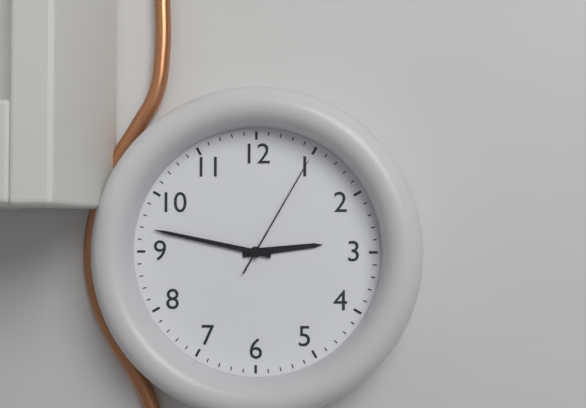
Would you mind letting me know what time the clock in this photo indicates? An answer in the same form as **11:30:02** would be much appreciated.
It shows **2:47:05**
